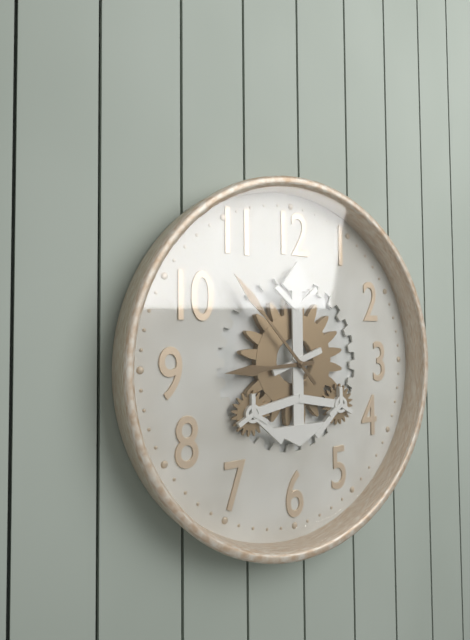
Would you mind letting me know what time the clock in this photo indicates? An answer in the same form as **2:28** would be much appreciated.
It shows **8:53**
